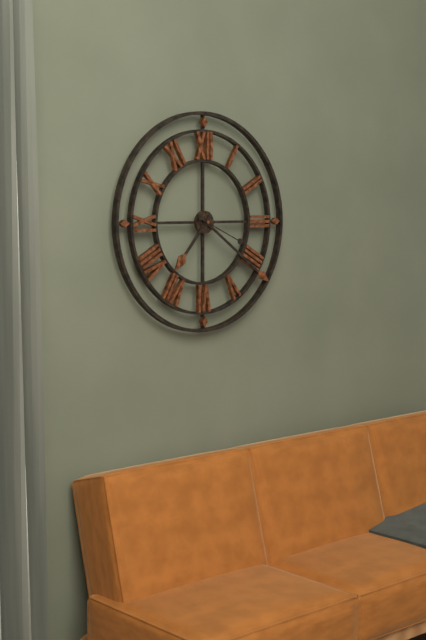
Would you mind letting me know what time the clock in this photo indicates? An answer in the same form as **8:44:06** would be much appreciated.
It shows **7:21:19**
